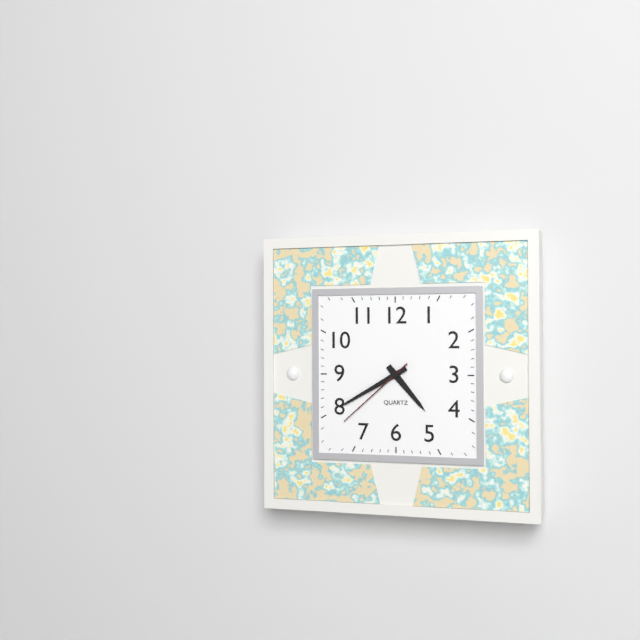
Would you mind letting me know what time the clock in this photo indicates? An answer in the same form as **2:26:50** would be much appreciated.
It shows **4:40:38**
